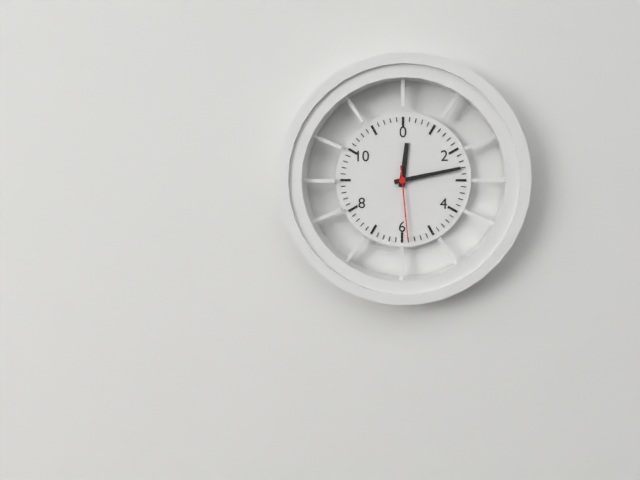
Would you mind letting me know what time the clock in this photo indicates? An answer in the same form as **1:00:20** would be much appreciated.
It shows **12:13:29**
